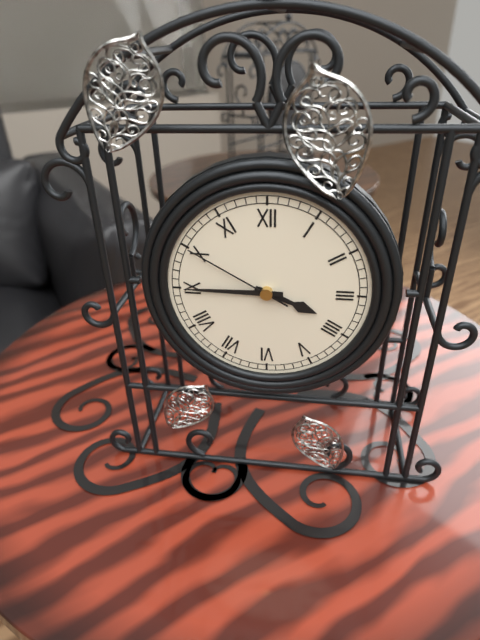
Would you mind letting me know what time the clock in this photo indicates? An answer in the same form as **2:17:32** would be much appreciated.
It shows **3:45:50**
